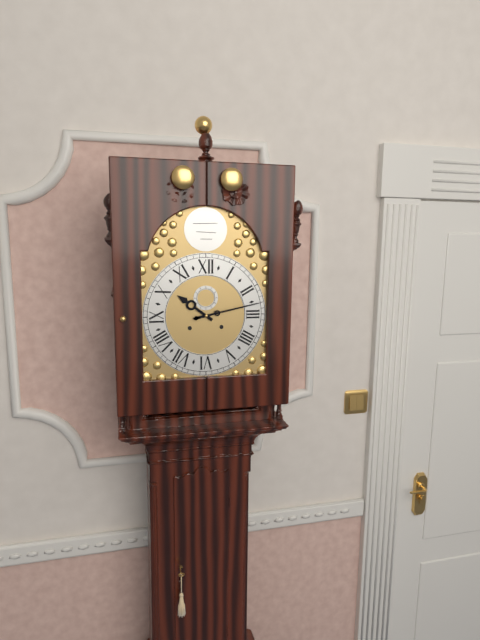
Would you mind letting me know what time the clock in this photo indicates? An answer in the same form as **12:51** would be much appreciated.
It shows **10:13**
